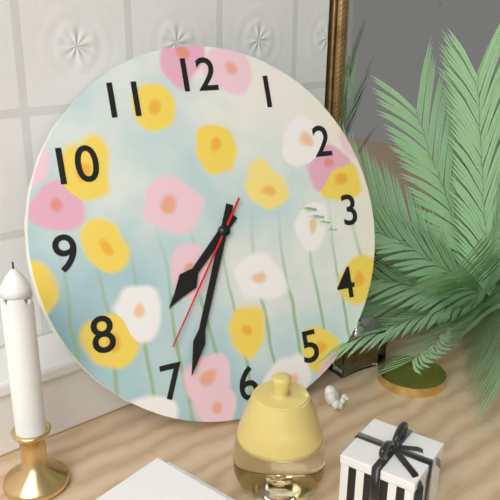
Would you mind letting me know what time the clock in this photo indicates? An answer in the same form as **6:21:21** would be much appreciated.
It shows **7:34:36**
